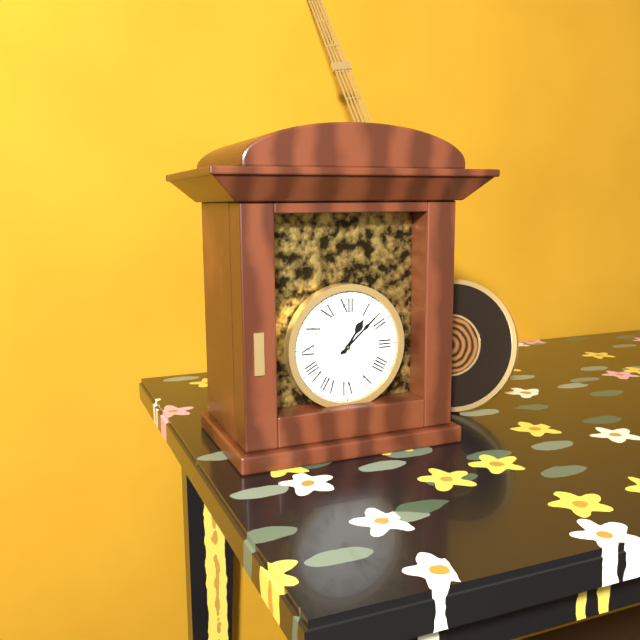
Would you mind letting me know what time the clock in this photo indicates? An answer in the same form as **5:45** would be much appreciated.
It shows **1:08**
